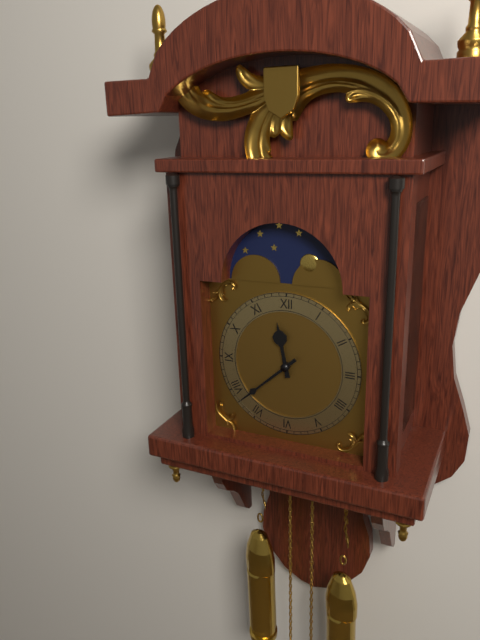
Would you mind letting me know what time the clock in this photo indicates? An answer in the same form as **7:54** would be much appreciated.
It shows **11:38**
